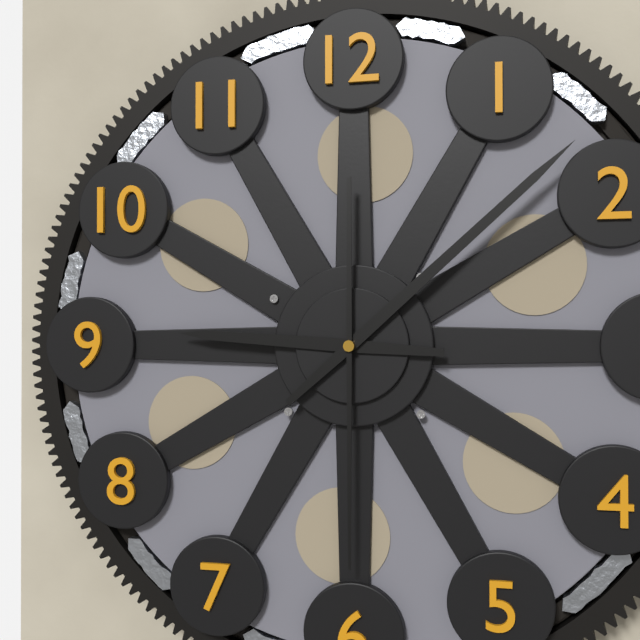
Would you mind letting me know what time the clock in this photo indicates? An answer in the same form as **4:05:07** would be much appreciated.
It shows **9:08:30**
